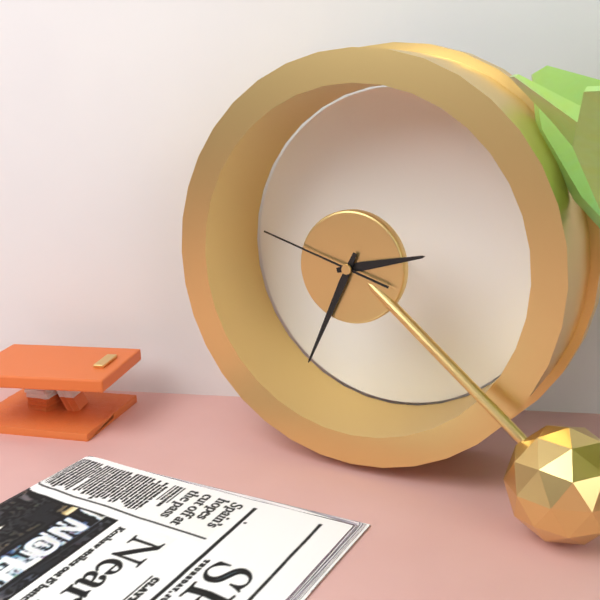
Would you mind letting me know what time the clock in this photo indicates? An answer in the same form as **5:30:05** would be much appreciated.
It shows **2:34:48**
